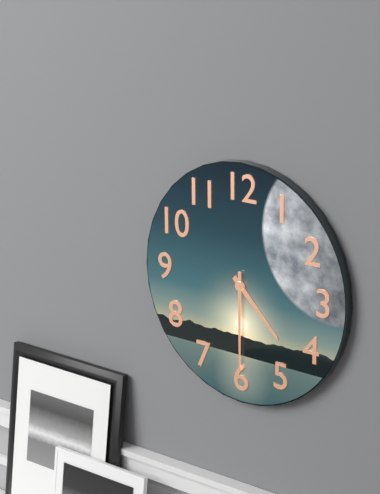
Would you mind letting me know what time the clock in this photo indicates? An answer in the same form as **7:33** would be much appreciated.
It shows **4:30**
